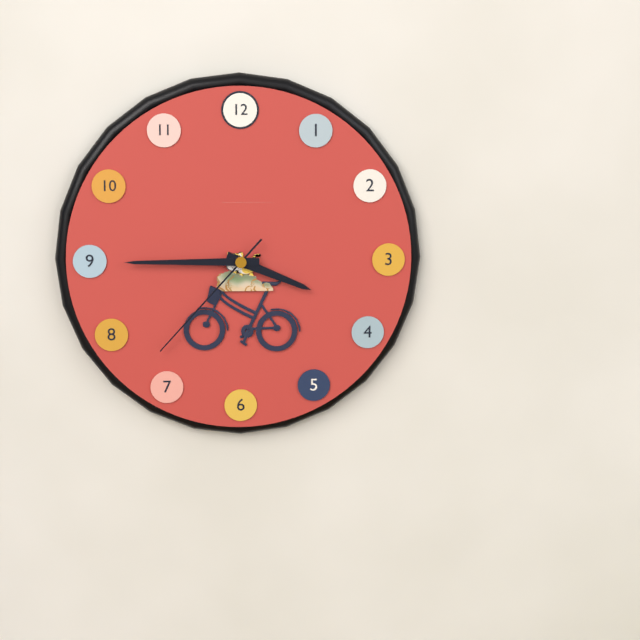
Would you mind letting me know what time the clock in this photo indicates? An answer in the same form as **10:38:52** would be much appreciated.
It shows **3:45:37**
